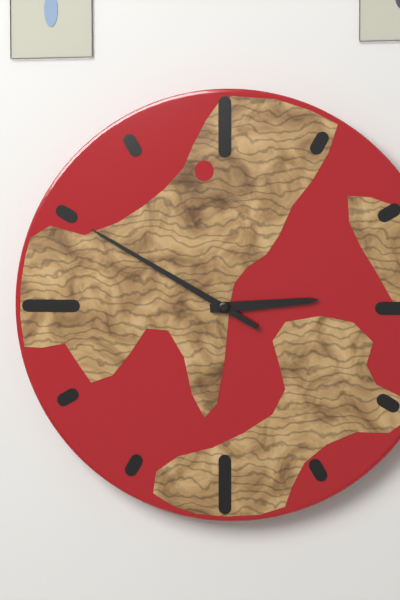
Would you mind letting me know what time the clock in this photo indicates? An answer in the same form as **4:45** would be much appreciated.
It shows **2:50**
